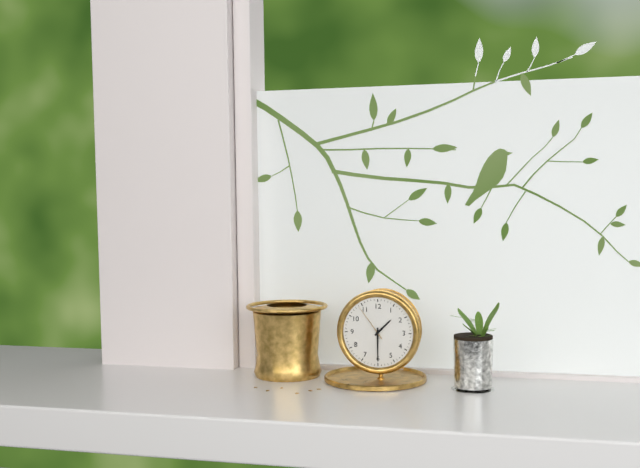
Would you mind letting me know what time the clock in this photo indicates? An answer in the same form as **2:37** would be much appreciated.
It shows **1:30**
